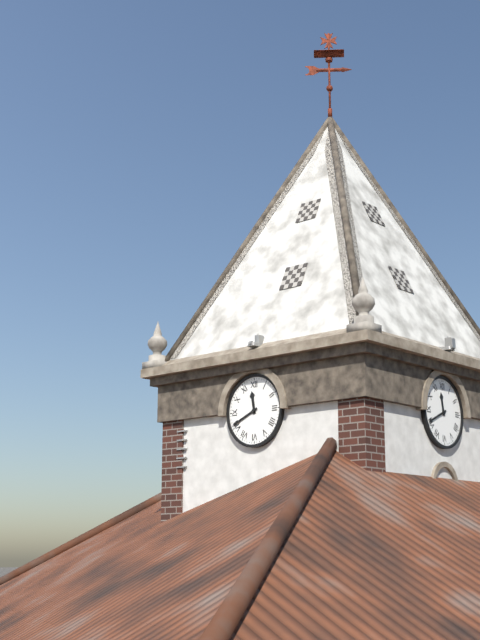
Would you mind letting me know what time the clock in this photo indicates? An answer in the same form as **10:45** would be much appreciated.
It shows **11:41**
